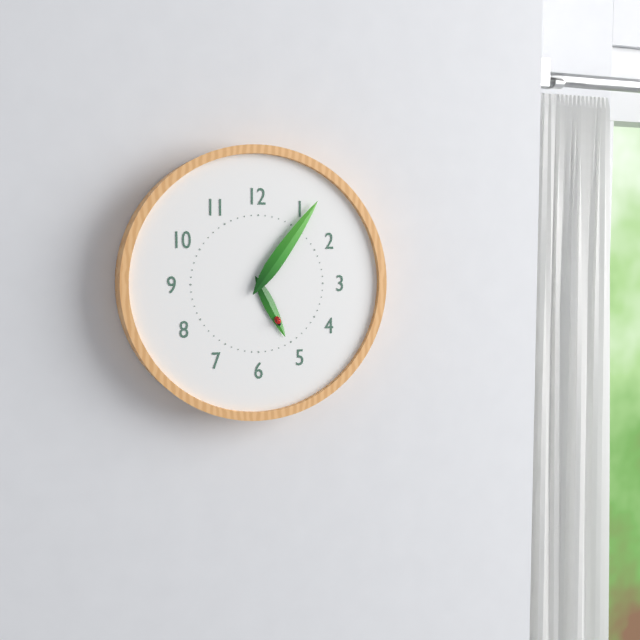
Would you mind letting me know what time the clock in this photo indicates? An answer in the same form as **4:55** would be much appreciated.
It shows **5:06**
